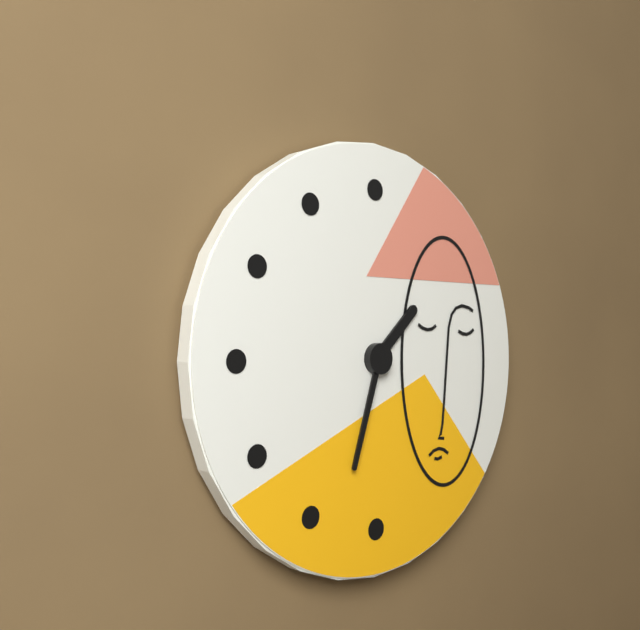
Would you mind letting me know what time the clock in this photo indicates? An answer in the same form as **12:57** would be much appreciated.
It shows **1:33**
